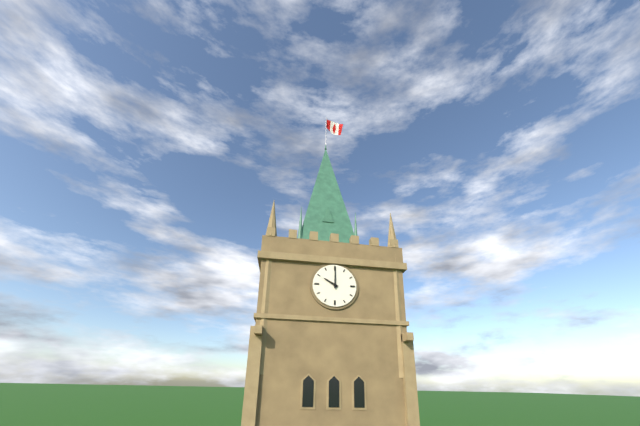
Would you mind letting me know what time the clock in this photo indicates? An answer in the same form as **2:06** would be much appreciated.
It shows **10:00**
